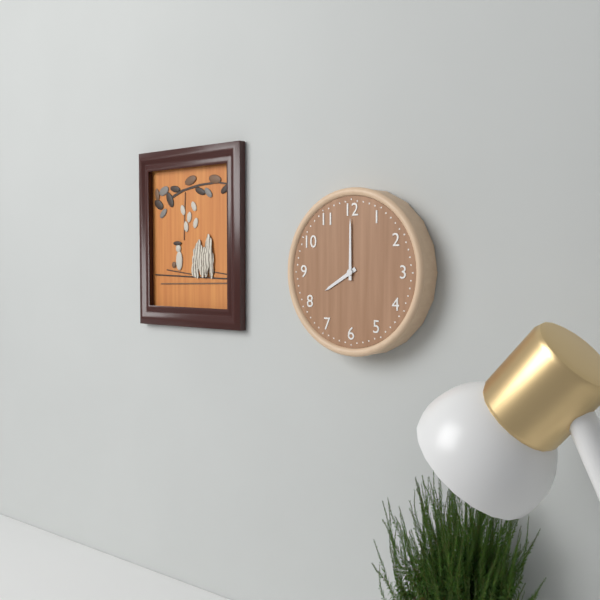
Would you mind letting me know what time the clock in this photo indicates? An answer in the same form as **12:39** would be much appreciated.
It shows **8:00**
